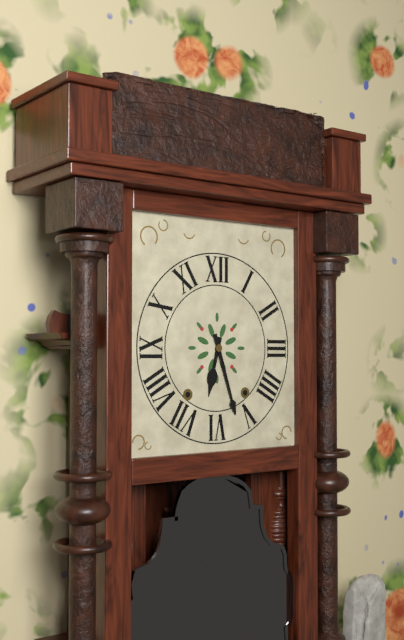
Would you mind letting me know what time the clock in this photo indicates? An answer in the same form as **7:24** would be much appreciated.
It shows **6:27**
